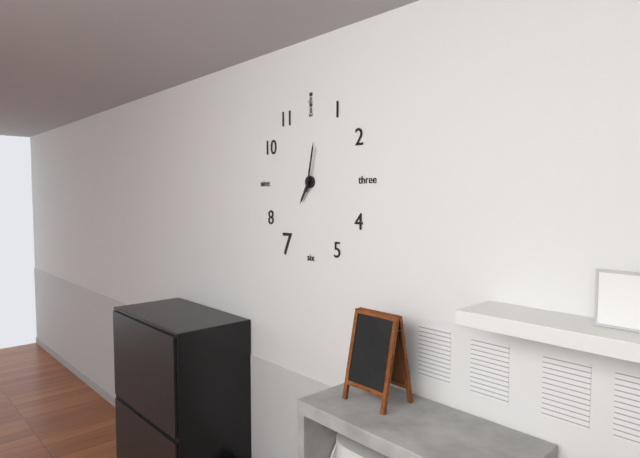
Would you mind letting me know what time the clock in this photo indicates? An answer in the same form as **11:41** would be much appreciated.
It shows **7:02**
